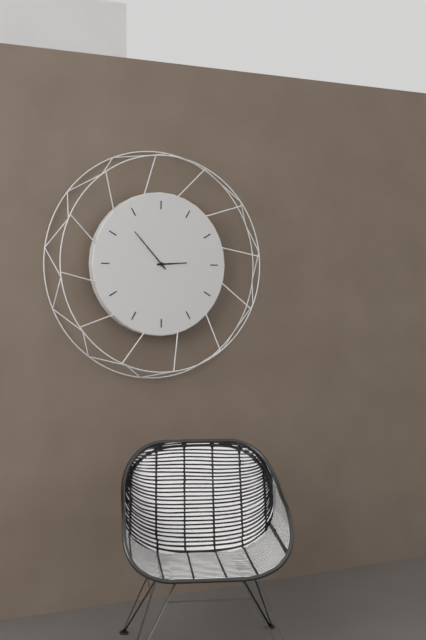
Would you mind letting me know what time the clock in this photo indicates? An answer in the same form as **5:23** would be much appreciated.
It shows **2:53**
